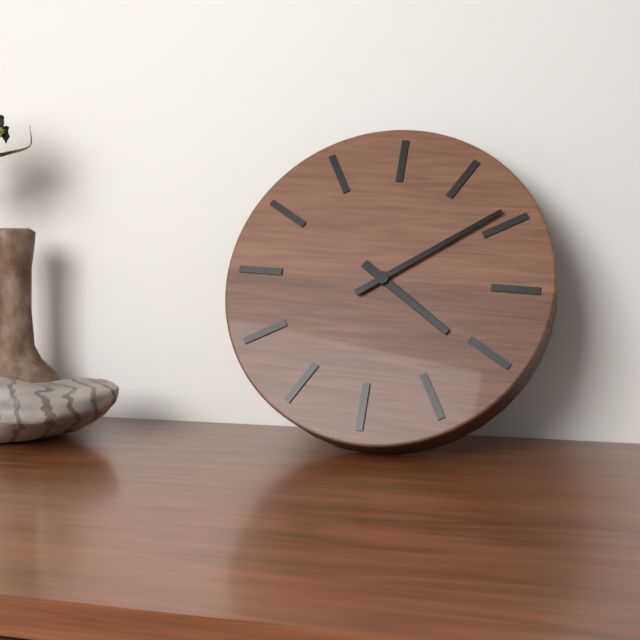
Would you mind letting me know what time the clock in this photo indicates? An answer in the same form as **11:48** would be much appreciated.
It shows **4:09**
